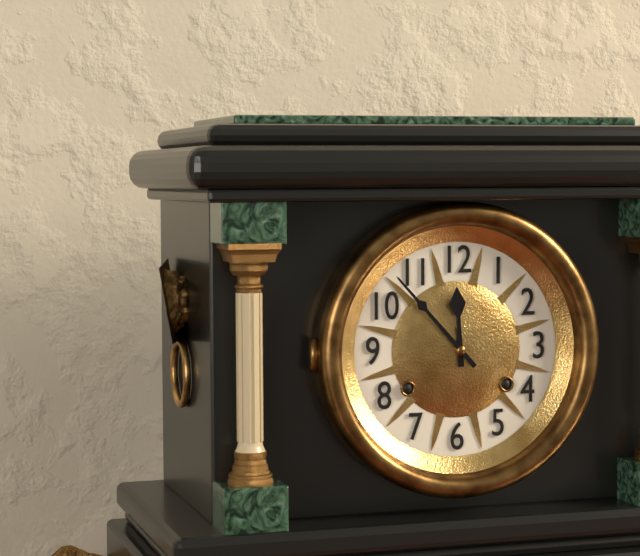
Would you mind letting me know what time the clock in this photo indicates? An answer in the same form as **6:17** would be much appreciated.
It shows **11:53**
